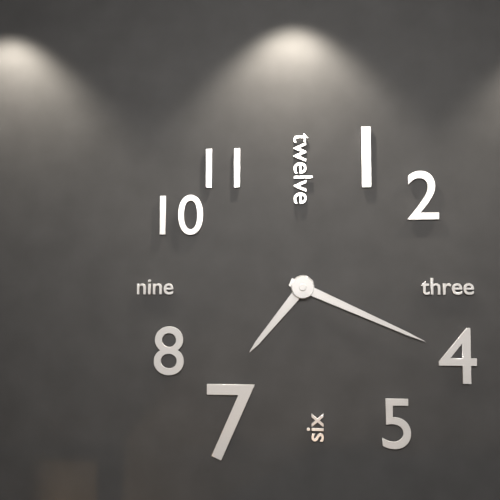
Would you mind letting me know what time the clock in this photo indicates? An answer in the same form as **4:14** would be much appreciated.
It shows **7:19**
